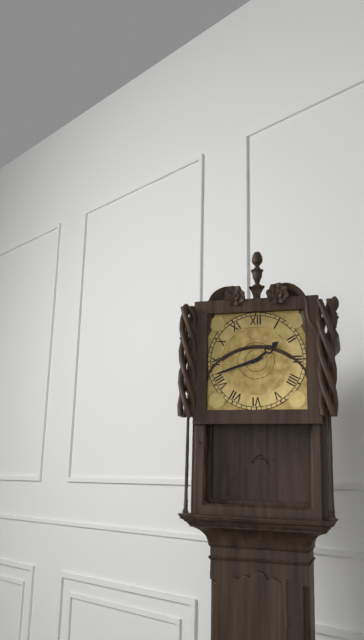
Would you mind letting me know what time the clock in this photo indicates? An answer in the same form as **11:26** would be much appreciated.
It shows **1:42**
